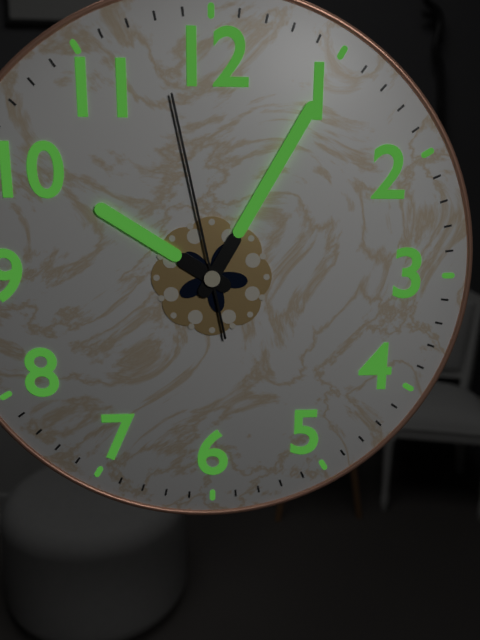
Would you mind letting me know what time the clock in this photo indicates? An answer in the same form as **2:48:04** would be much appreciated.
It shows **10:05:58**
